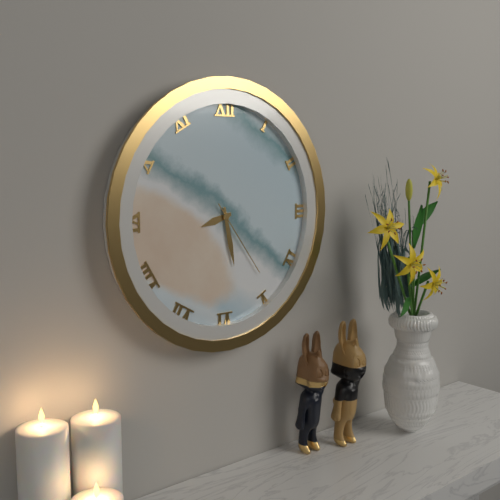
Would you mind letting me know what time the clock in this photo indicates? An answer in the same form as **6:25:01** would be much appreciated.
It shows **8:28:24**
